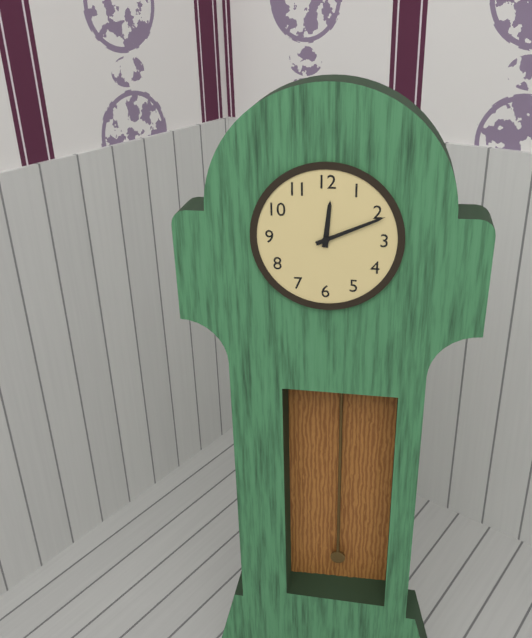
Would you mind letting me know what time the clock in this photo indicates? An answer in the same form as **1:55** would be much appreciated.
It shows **12:11**
